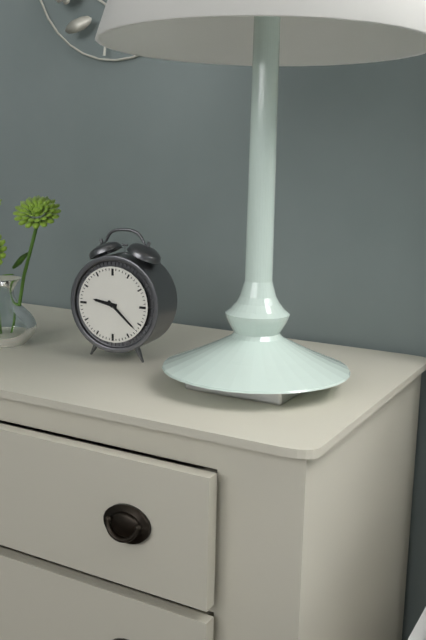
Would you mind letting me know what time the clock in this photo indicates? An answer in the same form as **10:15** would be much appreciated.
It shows **9:22**
